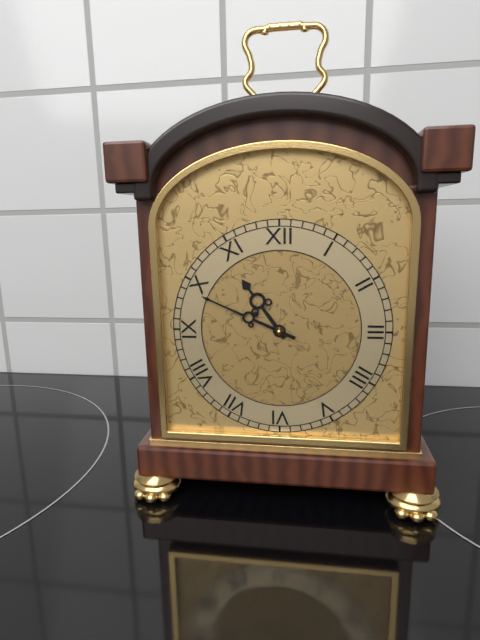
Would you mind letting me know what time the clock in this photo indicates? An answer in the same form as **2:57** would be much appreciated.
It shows **10:49**
